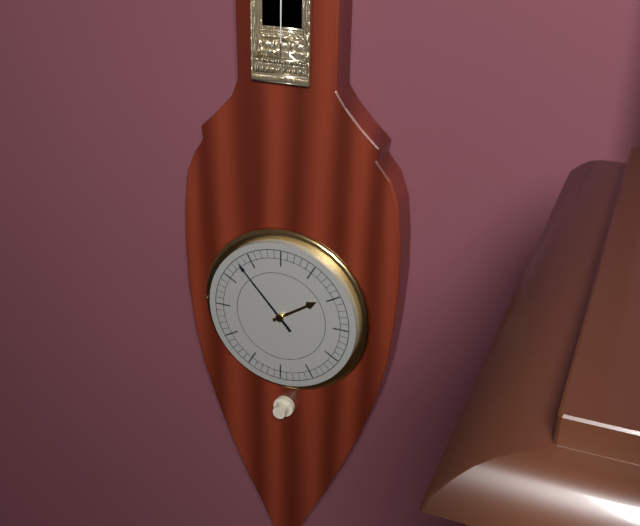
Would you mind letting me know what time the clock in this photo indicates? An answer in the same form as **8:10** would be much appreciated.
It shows **1:53**
